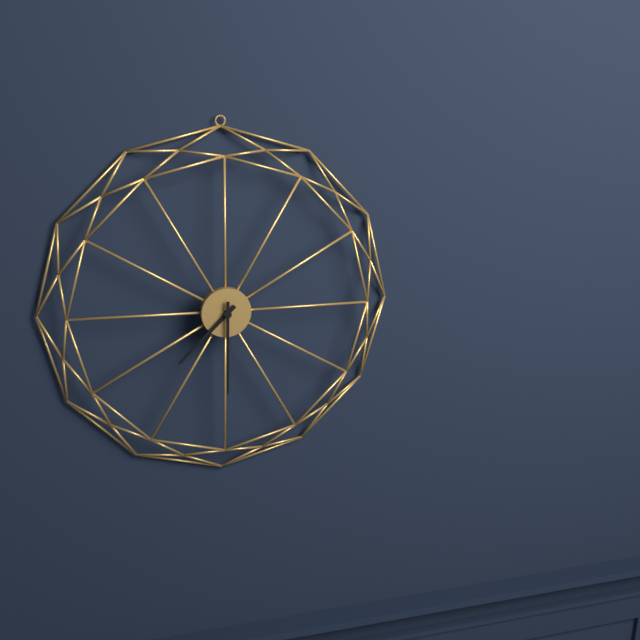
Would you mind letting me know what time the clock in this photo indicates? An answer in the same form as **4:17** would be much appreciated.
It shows **7:30**
